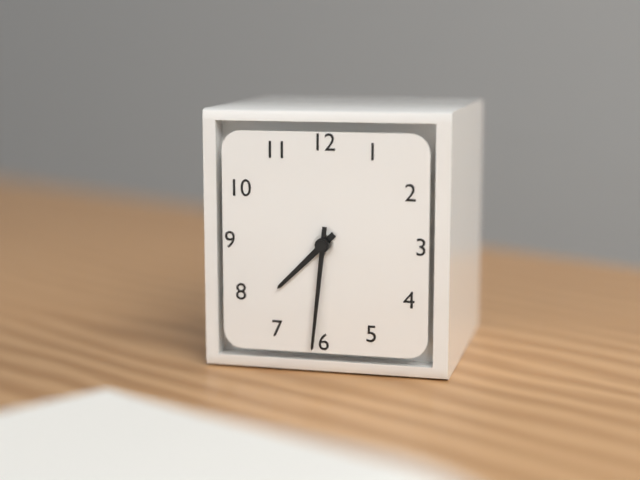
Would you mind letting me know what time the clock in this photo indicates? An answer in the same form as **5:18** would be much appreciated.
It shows **7:31**
